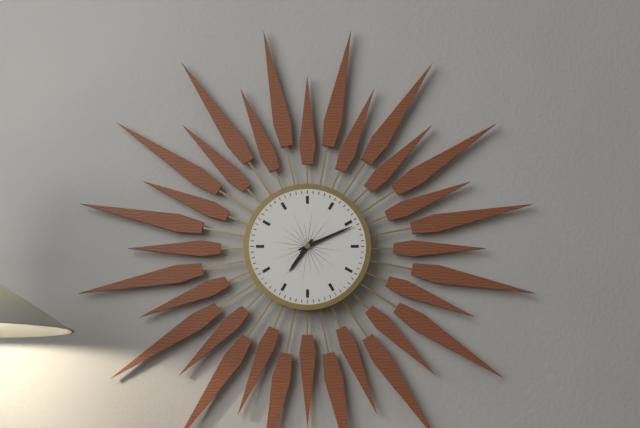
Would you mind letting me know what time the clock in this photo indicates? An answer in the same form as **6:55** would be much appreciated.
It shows **7:11**
